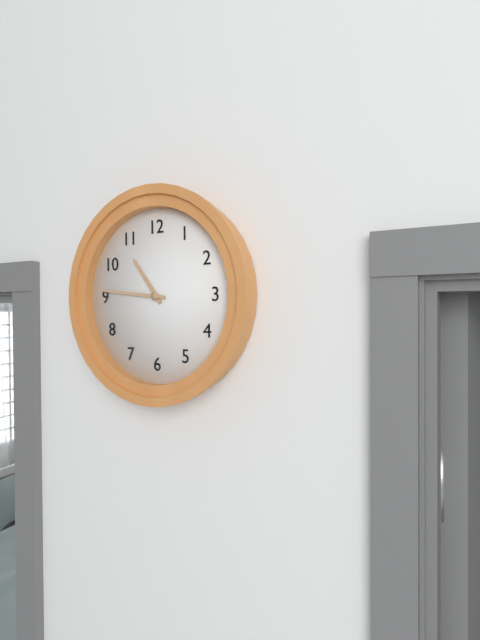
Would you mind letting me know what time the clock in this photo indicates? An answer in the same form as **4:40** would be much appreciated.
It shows **10:46**
